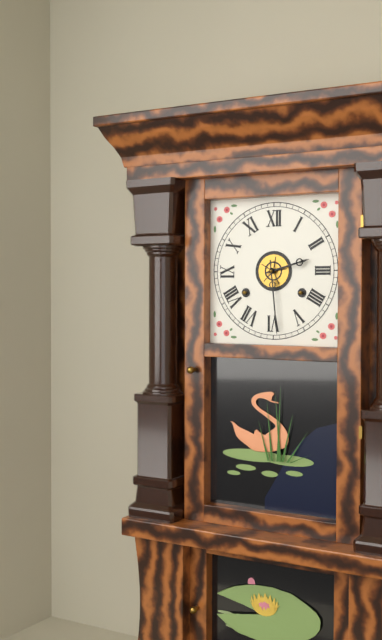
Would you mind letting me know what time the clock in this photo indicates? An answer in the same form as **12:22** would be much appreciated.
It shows **2:29**
